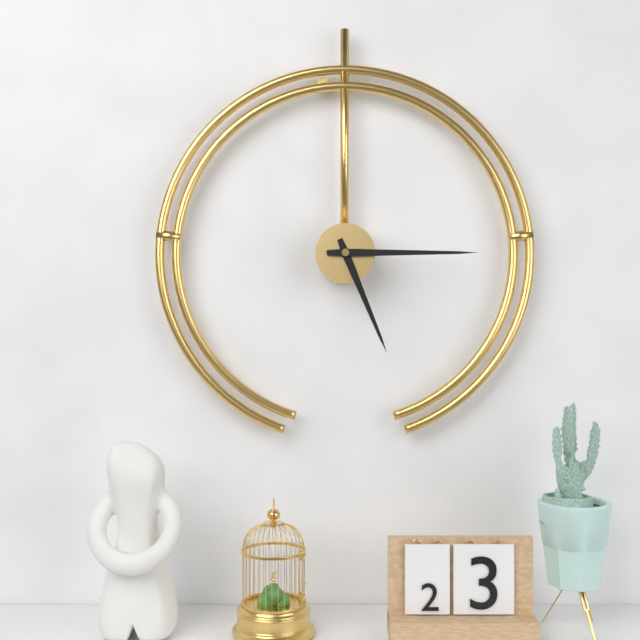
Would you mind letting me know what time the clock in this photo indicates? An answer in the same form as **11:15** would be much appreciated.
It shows **5:15**
